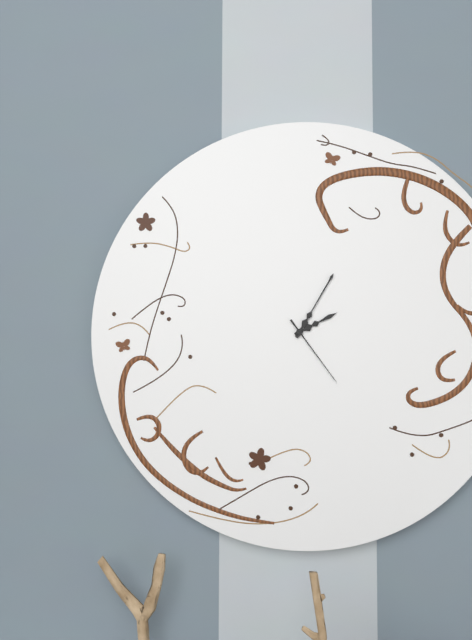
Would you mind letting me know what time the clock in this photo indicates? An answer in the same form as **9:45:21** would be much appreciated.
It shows **2:05:24**
